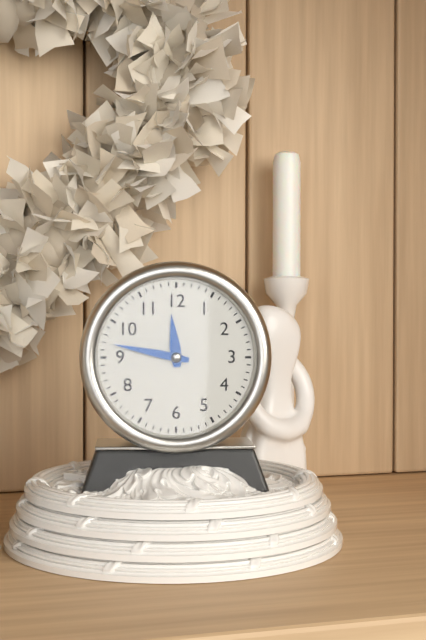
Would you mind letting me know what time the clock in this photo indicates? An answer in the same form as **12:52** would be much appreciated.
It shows **11:47**
